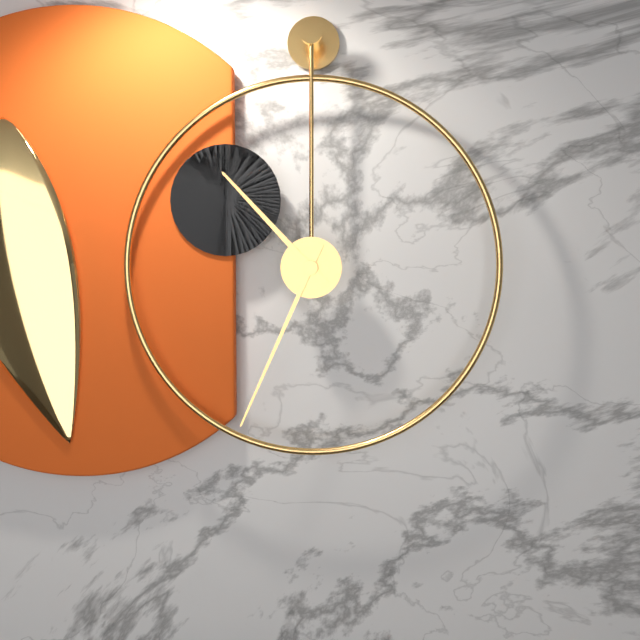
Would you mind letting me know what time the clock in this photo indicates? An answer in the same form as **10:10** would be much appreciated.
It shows **10:34**
